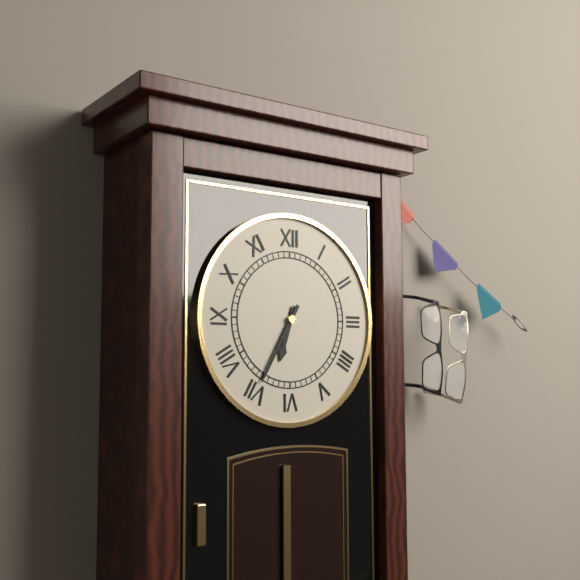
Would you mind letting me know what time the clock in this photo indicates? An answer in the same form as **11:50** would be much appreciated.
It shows **6:35**
